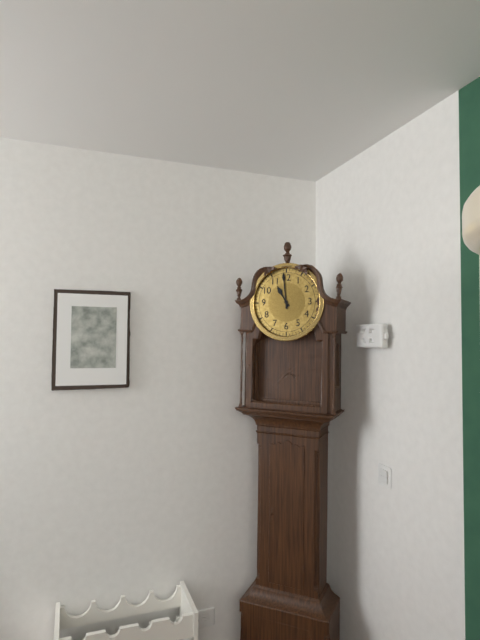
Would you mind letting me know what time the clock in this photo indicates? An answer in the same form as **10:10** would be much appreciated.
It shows **10:59**
